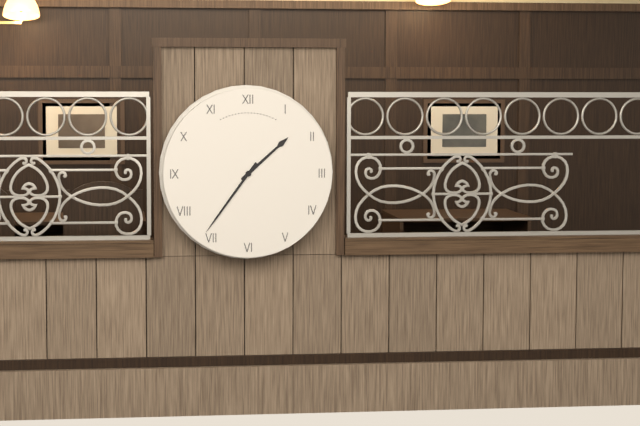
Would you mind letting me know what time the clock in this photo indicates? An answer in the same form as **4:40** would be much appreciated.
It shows **1:36**
